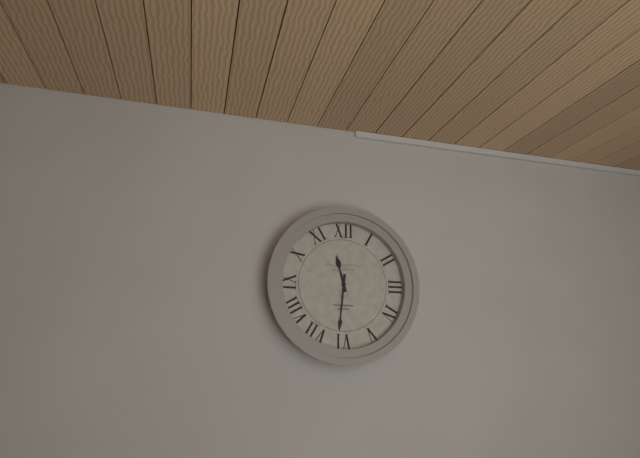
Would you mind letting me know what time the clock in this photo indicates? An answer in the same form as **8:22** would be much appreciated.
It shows **11:31**
